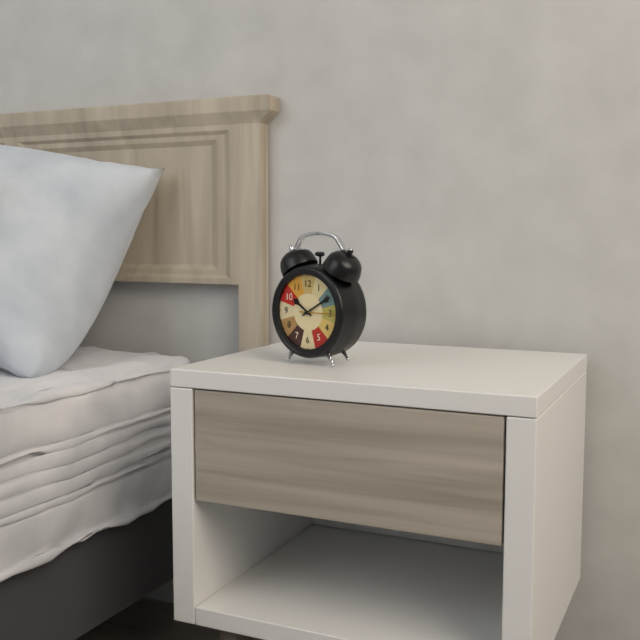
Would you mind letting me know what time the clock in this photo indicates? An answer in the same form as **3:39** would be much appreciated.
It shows **10:10**
